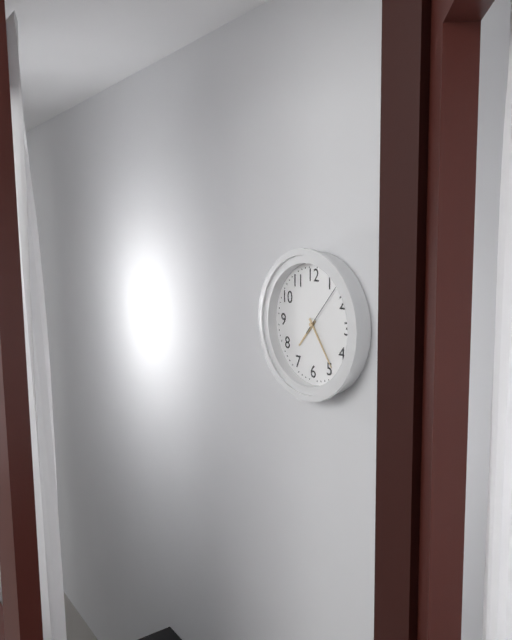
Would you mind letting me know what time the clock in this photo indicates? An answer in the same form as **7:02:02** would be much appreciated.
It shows **7:24:07**
